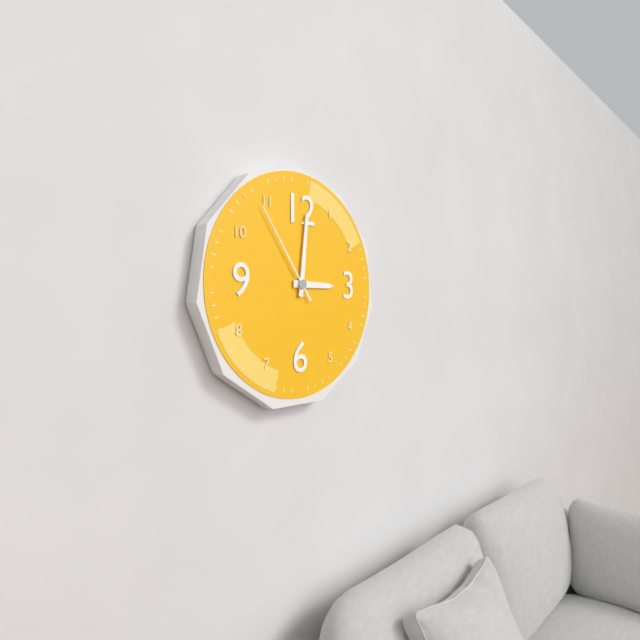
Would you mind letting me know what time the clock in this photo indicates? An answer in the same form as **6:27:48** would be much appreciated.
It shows **3:01:54**
